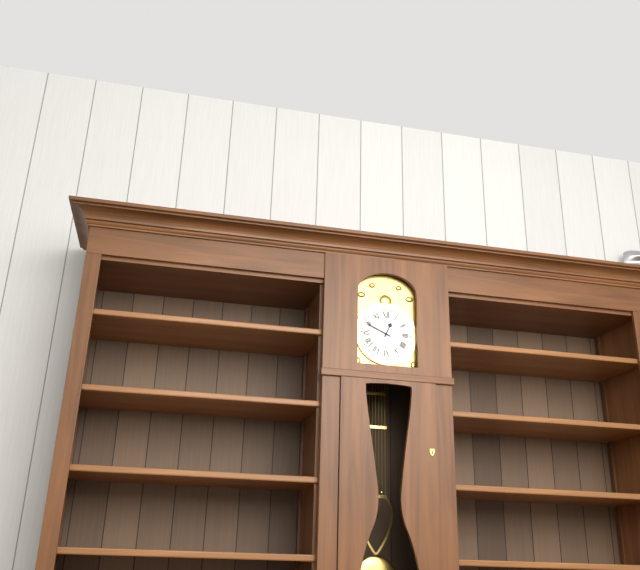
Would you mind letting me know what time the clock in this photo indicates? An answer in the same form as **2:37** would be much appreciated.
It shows **12:49**
